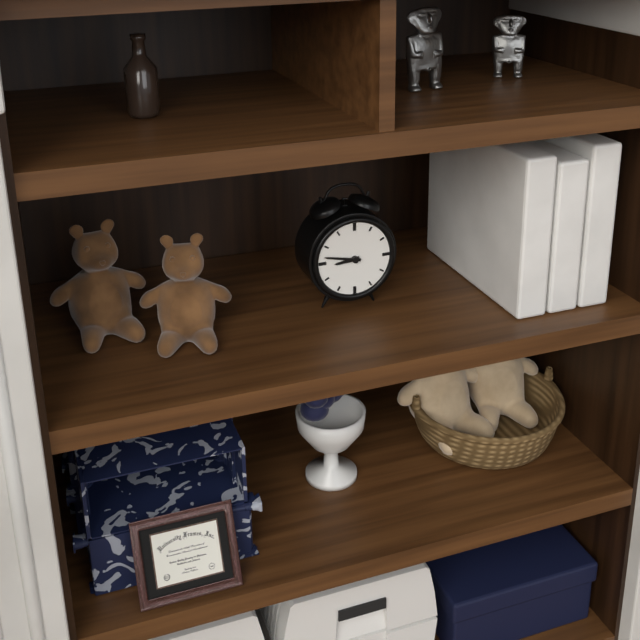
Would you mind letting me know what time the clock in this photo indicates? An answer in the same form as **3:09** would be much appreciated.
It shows **8:47**
